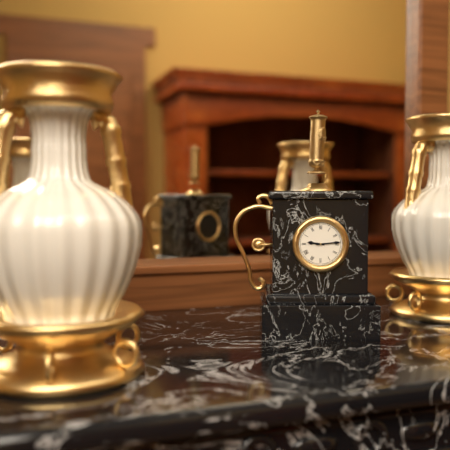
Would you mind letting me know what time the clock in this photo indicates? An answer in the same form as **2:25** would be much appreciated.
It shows **9:14**
